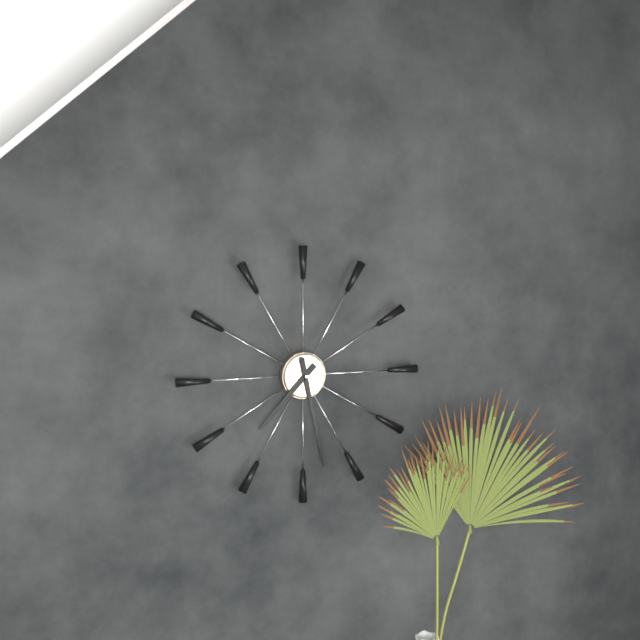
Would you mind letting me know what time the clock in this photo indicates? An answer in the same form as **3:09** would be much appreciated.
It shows **7:28**
